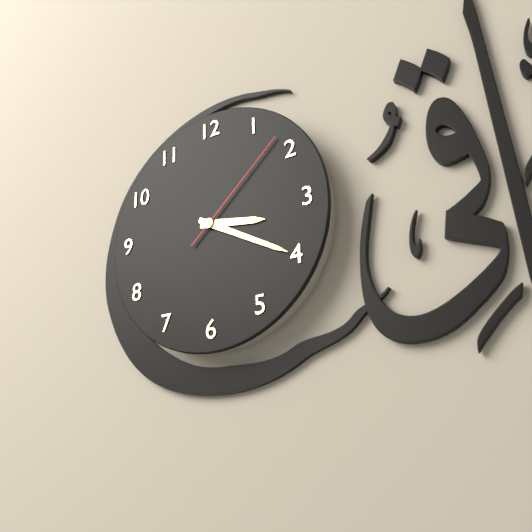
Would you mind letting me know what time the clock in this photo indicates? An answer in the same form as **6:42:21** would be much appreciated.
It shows **3:20:08**
